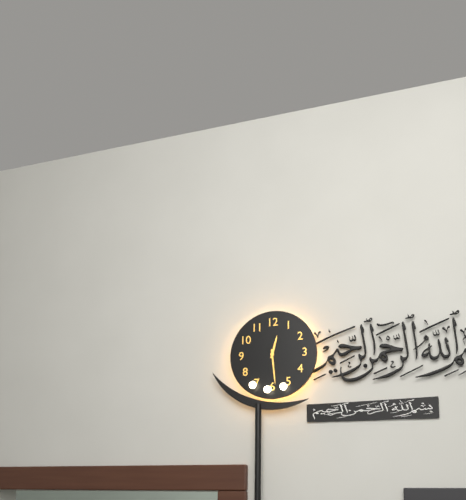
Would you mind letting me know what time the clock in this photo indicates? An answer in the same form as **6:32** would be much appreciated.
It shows **12:29**
